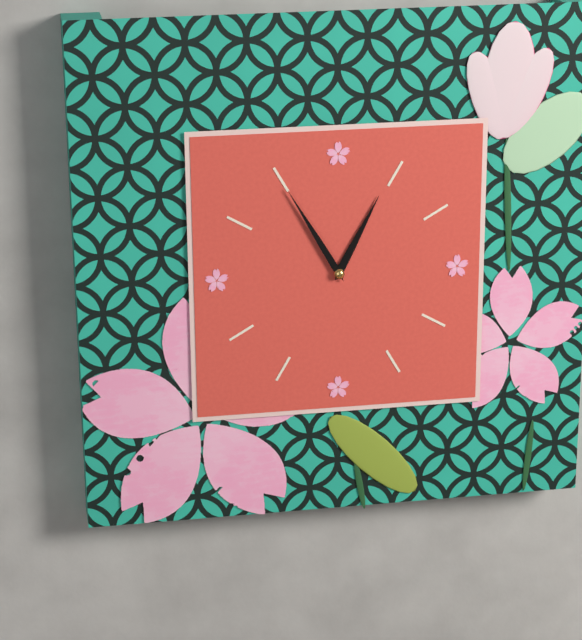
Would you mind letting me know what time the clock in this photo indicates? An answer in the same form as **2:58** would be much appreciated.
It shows **12:55**
